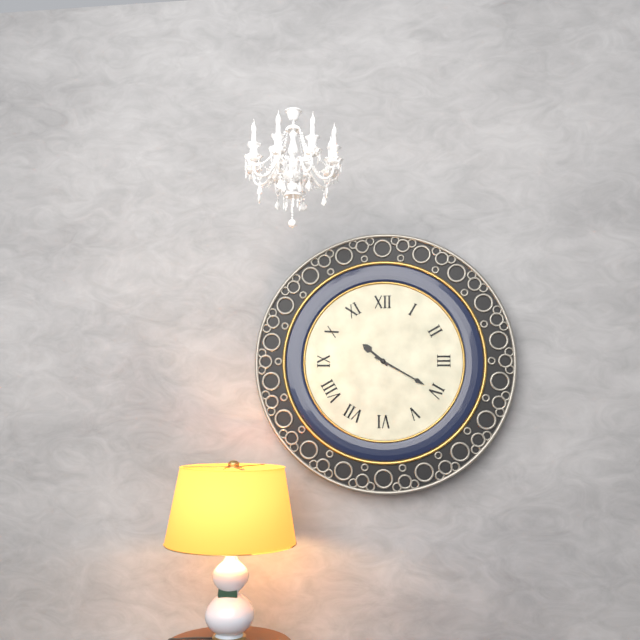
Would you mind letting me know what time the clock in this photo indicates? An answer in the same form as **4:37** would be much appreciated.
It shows **10:20**
